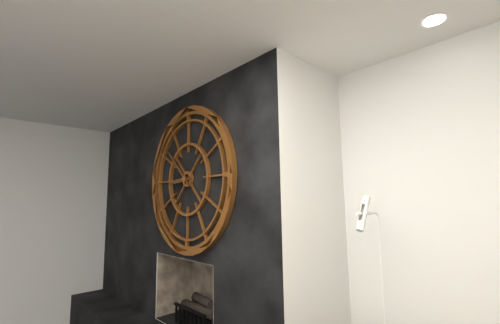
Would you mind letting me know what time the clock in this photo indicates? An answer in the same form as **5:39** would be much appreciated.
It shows **8:52**
